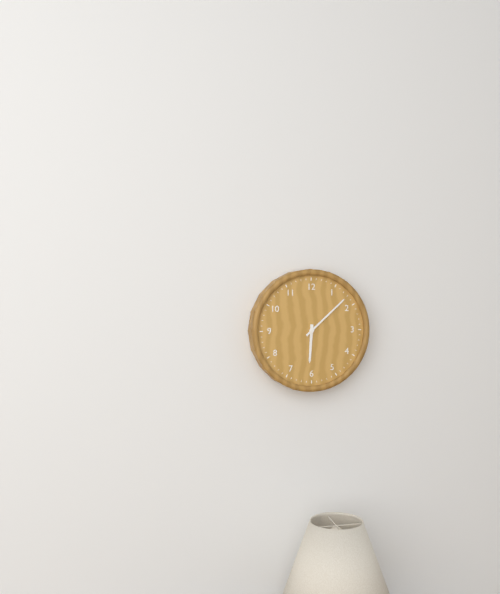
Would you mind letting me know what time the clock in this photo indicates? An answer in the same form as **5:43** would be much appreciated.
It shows **6:08**
